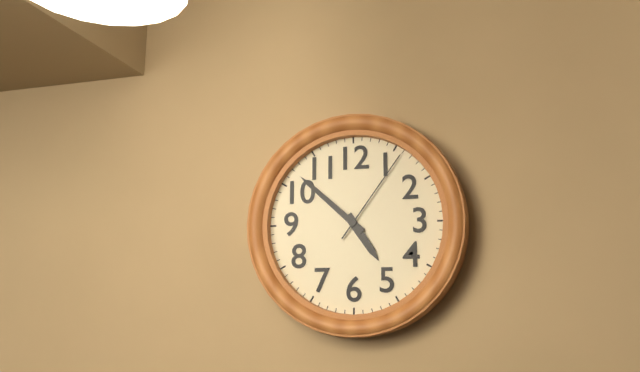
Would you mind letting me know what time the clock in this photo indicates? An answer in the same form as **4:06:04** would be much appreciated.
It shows **4:52:06**
